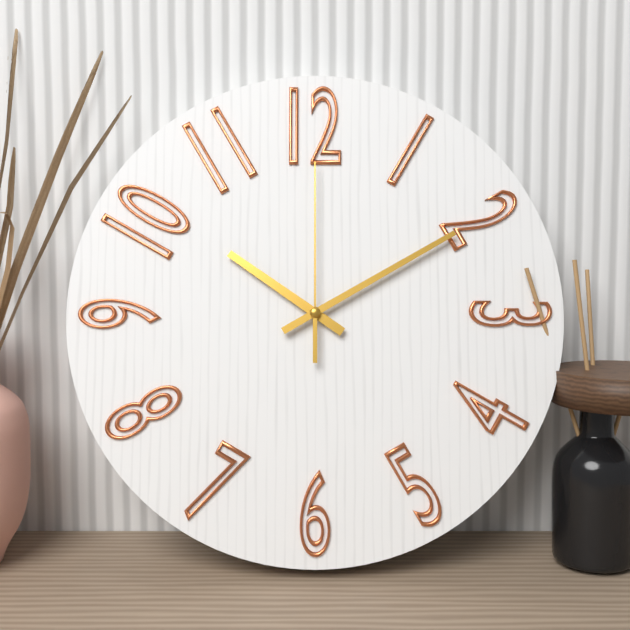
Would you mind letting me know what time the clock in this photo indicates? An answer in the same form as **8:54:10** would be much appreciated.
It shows **10:10:00**
